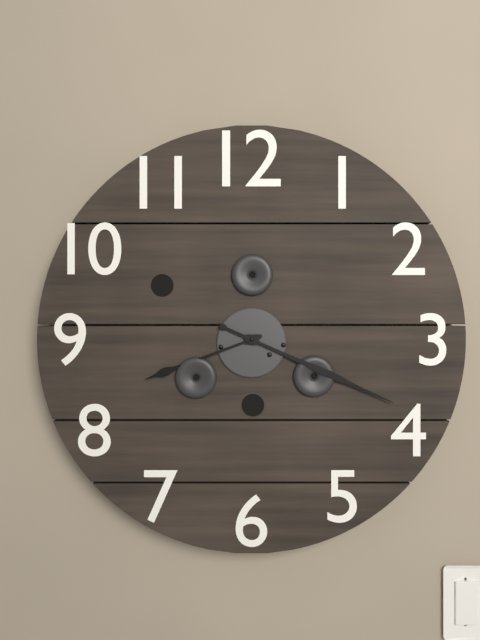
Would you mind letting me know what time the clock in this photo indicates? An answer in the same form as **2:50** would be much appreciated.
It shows **8:19**
